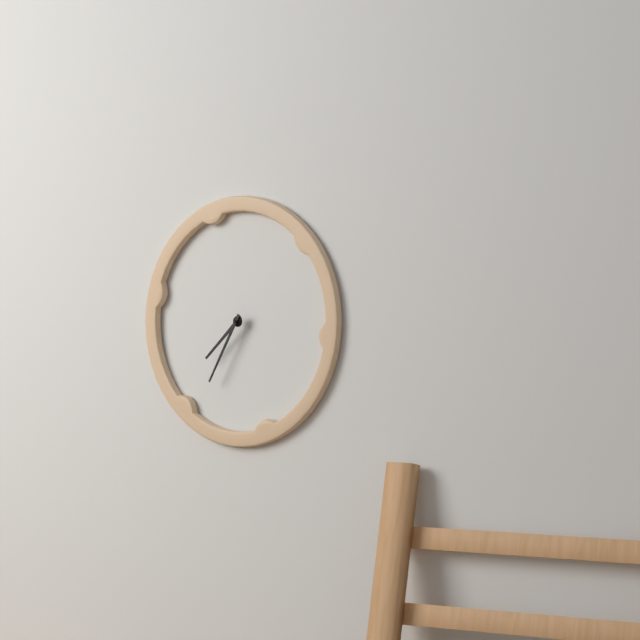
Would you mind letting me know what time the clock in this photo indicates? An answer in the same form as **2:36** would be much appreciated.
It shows **7:35**
